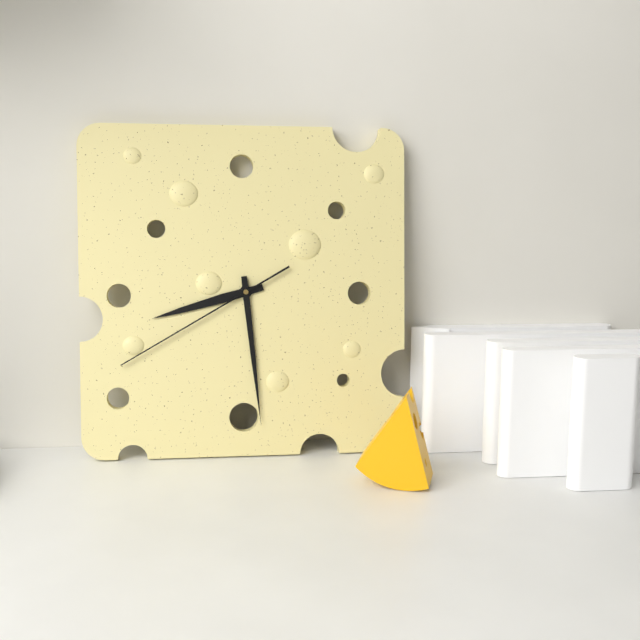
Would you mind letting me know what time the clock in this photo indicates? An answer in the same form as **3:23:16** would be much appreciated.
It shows **8:29:40**
